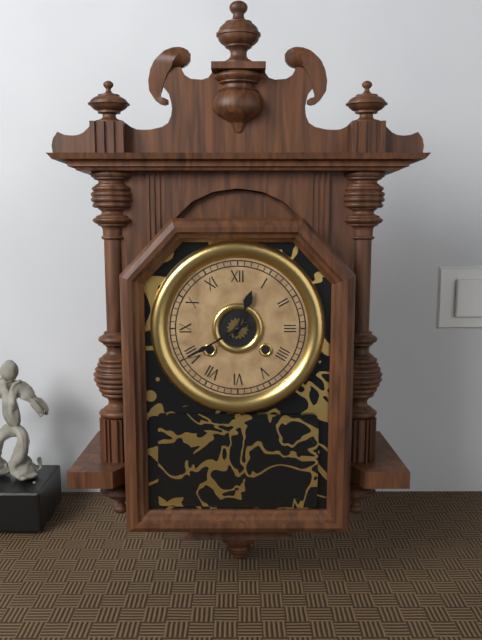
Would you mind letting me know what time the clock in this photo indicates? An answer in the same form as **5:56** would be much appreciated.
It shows **12:40**
